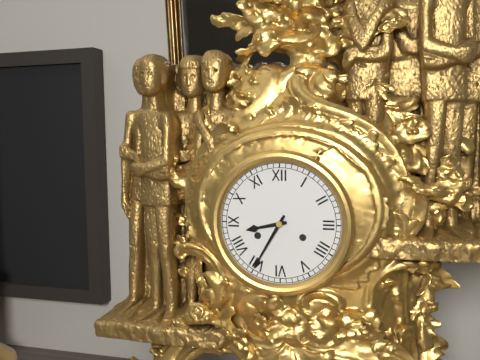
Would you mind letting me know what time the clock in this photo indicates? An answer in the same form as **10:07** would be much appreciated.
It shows **8:35**
